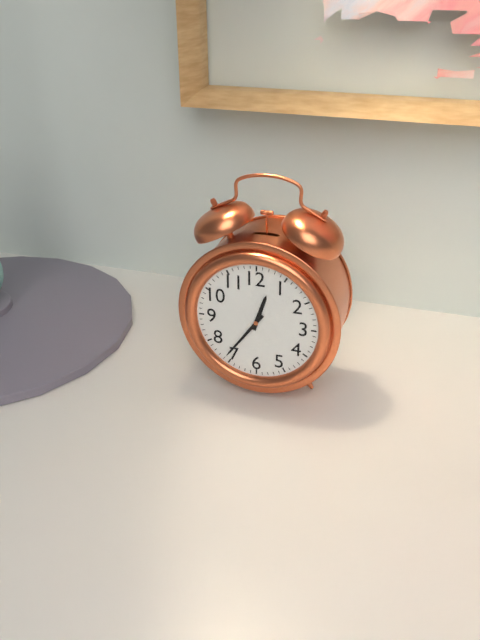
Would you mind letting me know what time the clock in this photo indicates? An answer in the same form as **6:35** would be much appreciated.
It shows **12:36**
